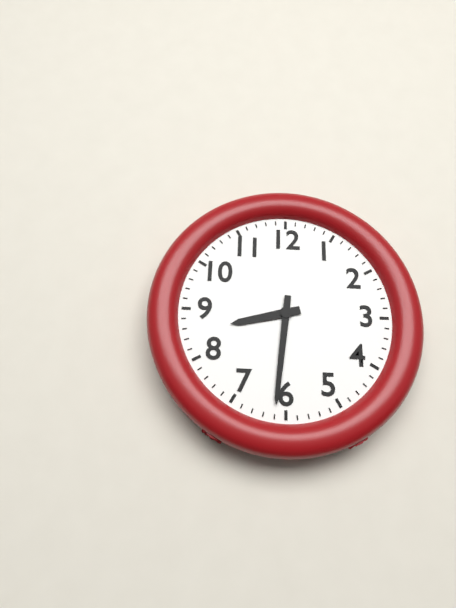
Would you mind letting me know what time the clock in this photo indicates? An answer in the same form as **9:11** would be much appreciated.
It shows **8:31**
